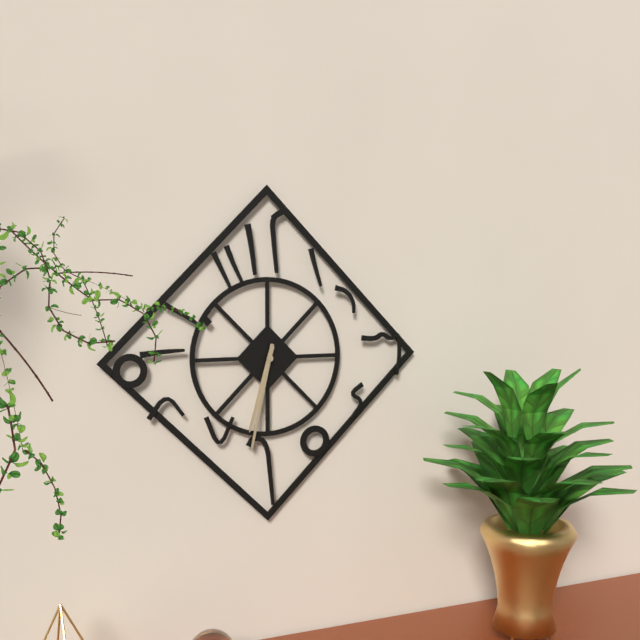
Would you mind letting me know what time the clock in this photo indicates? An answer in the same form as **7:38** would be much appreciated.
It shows **6:32**
